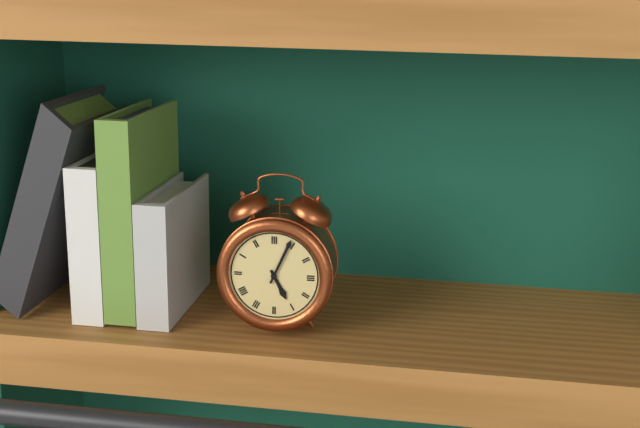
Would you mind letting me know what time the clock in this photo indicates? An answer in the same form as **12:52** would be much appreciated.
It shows **5:04**
